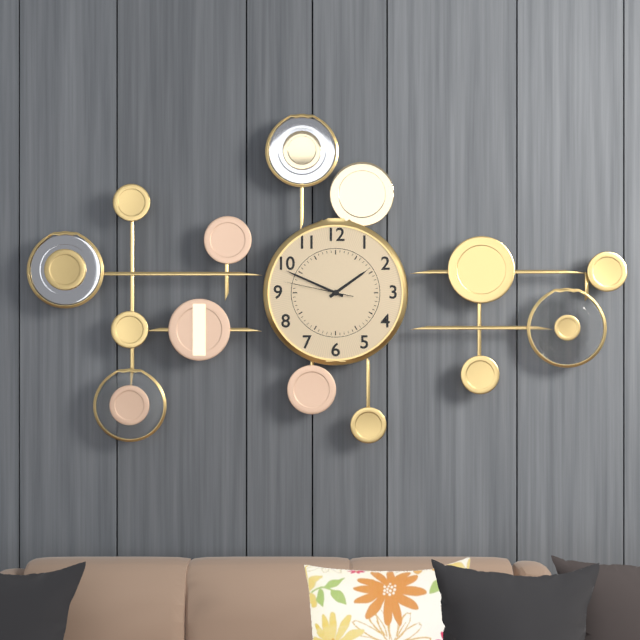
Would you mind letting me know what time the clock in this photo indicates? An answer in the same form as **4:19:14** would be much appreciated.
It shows **1:49:47**
